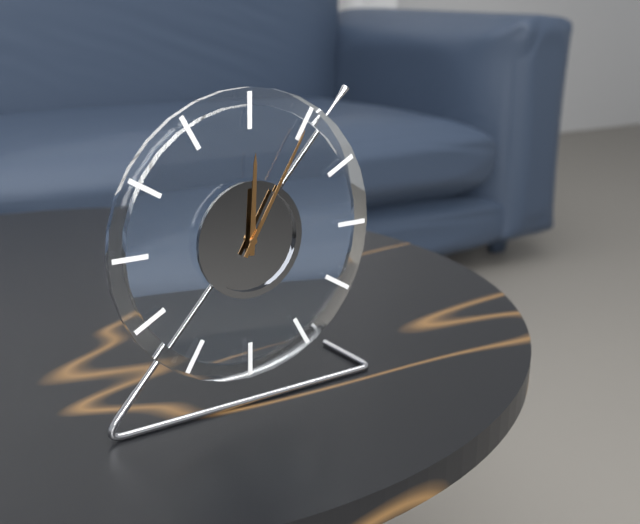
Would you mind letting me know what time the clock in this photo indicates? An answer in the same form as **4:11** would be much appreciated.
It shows **12:05**
